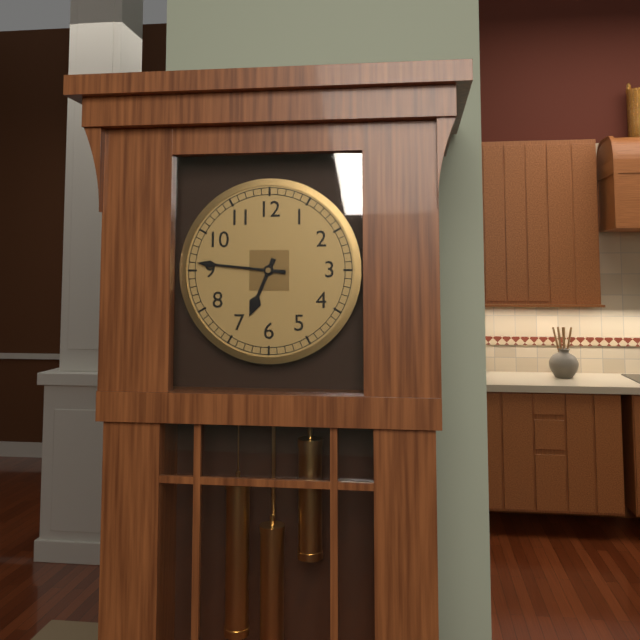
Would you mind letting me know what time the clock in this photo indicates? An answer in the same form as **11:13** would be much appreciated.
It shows **6:46**
